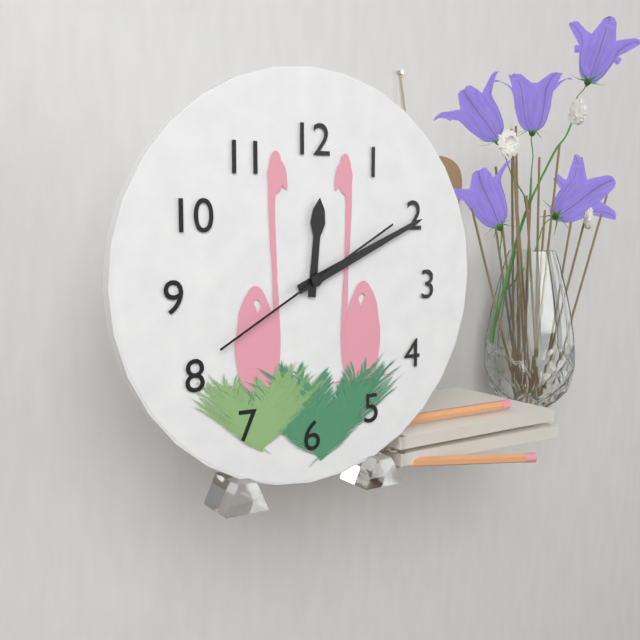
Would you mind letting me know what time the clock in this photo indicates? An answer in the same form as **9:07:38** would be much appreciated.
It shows **12:11:40**
